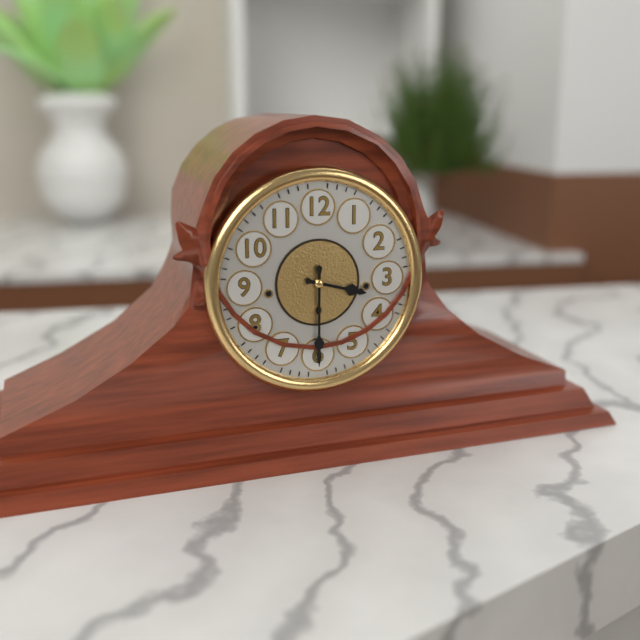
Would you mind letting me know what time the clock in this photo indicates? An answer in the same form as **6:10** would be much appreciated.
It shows **3:30**
